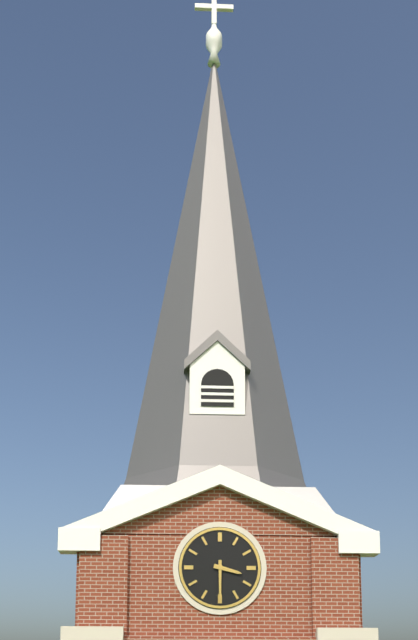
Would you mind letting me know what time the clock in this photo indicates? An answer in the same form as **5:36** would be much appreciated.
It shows **3:30**
